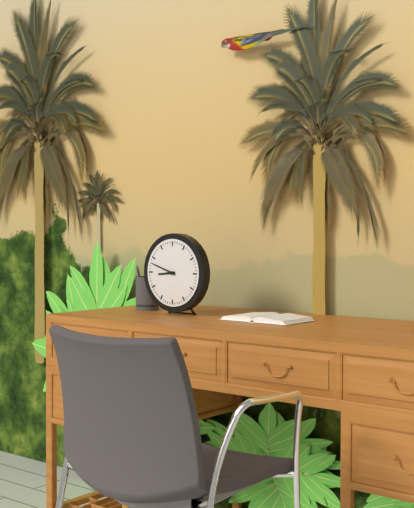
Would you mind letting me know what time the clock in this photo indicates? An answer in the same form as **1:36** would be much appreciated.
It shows **8:48**
